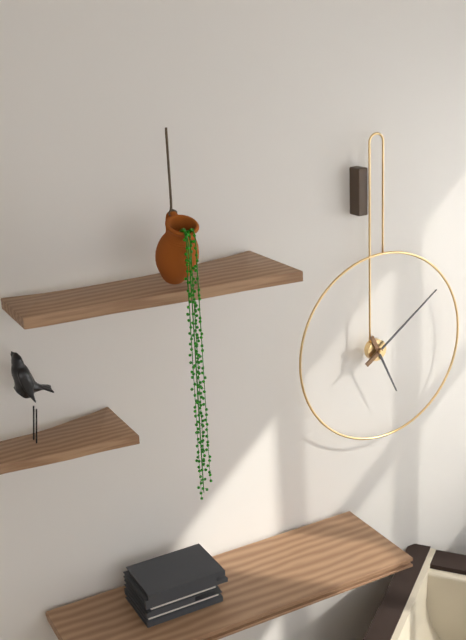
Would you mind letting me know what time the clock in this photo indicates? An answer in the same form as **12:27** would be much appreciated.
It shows **5:09**
